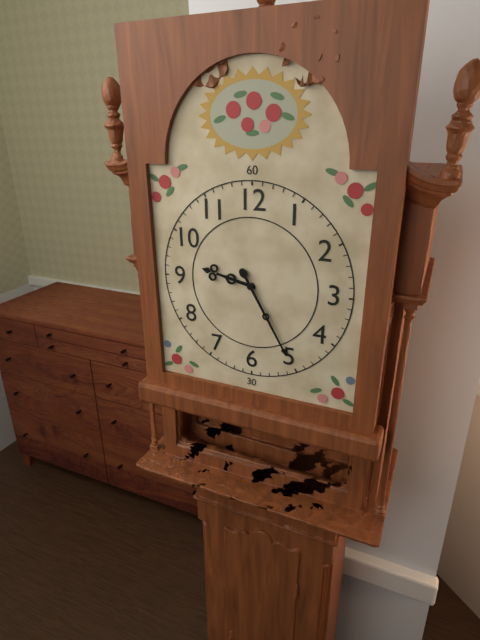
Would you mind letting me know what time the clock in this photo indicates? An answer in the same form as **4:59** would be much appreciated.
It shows **9:25**
